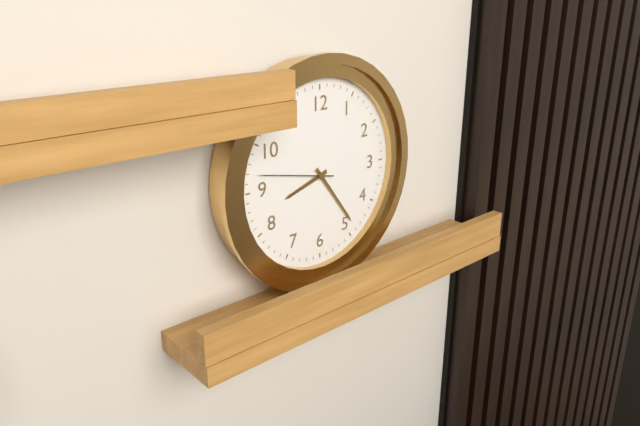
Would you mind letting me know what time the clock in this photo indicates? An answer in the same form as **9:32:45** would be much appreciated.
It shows **8:24:47**
